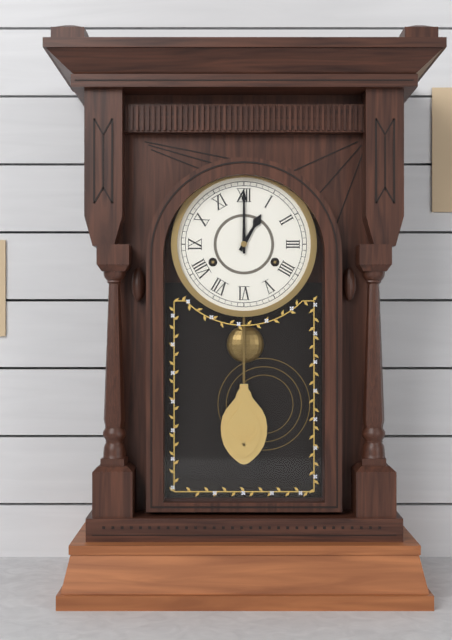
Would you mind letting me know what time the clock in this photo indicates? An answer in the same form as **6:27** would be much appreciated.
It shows **1:00**
